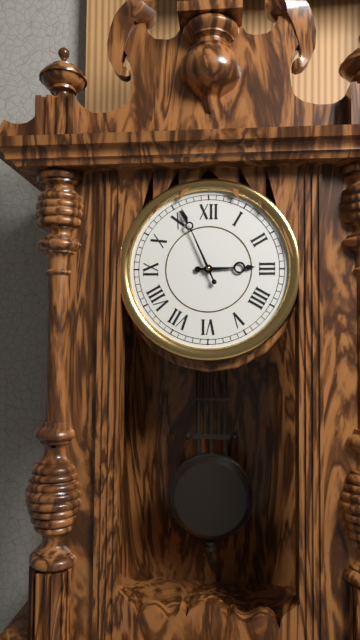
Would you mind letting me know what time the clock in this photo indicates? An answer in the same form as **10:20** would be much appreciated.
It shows **2:56**
